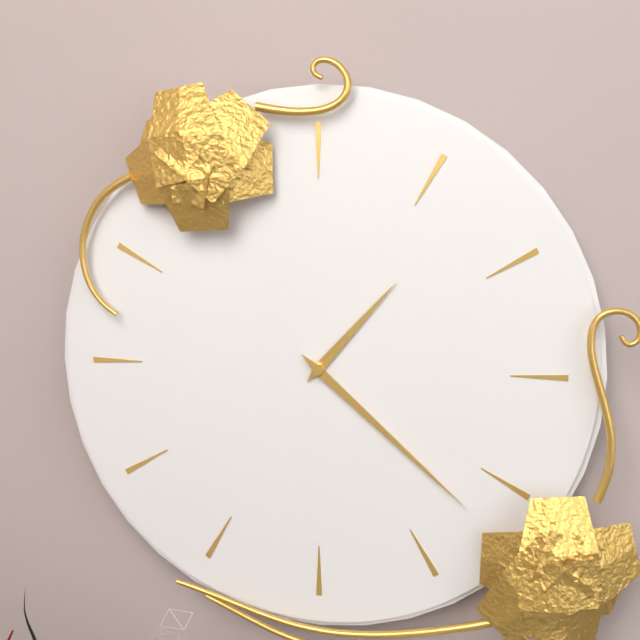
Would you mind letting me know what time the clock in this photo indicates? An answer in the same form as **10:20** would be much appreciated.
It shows **1:22**
